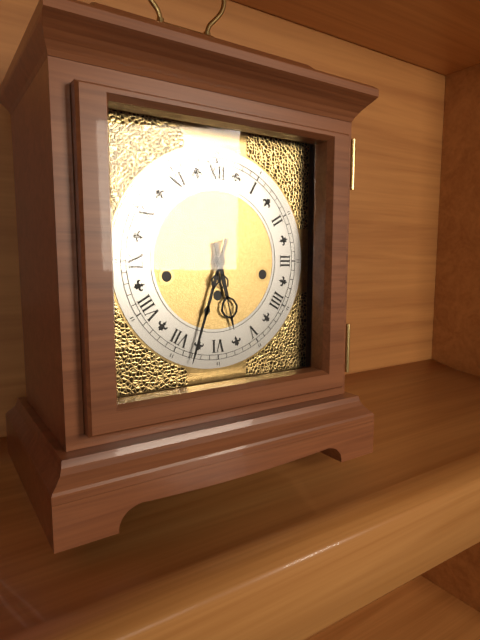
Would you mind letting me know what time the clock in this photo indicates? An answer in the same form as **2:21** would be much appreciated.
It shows **5:33**
